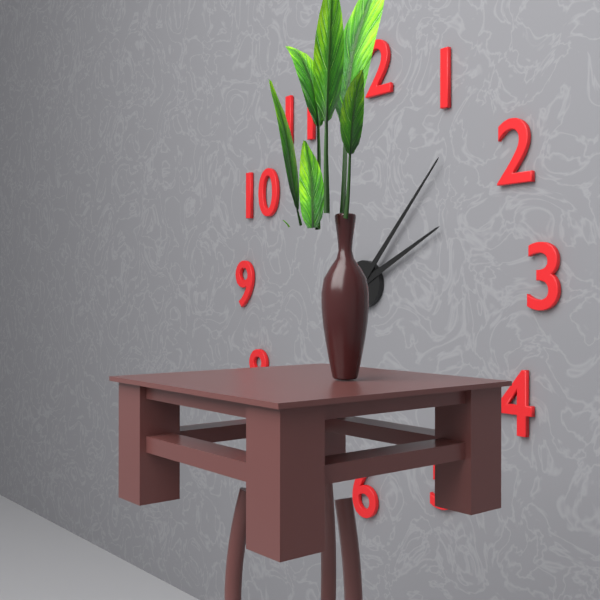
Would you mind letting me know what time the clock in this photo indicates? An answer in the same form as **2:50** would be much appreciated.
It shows **2:07**
